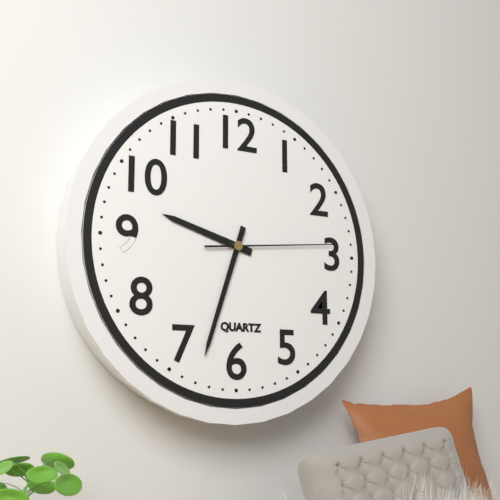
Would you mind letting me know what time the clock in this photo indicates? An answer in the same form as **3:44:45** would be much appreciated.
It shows **9:33:14**
